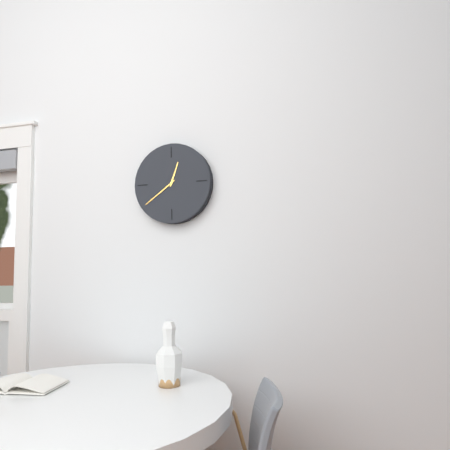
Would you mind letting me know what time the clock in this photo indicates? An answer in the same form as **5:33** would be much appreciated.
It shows **12:39**
